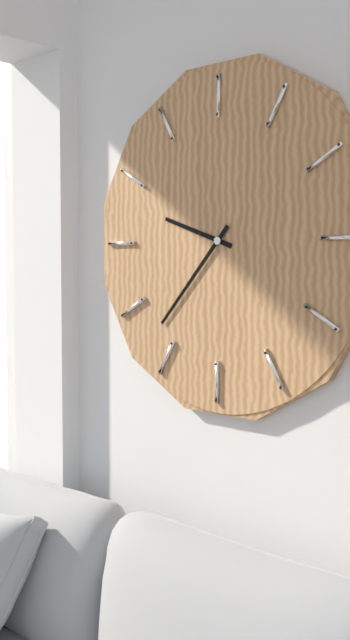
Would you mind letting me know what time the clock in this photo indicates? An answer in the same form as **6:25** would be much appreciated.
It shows **9:37**
